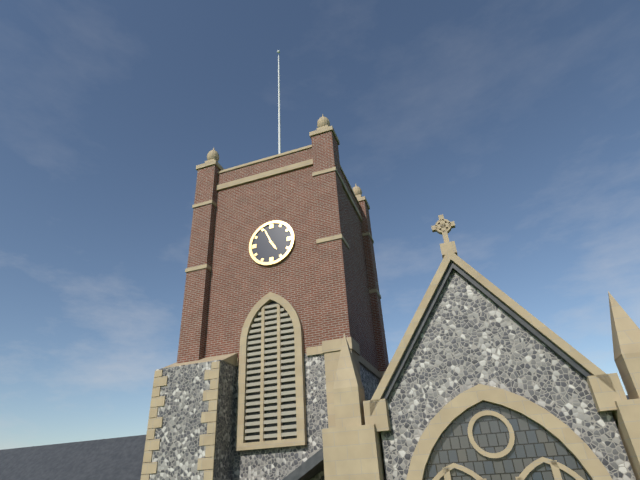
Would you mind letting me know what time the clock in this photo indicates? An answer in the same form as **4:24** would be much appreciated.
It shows **4:56**
